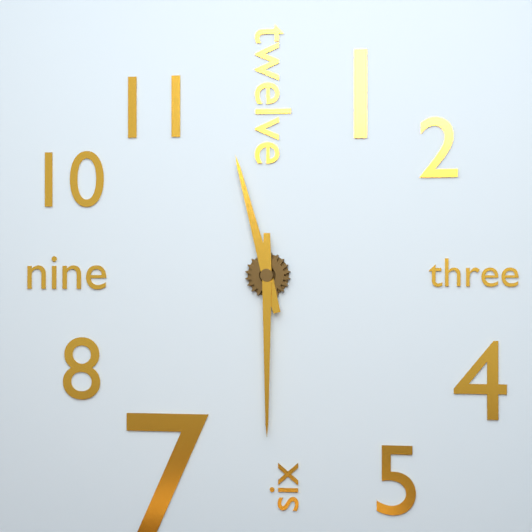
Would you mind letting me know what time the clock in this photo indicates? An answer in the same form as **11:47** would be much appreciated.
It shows **11:30**
